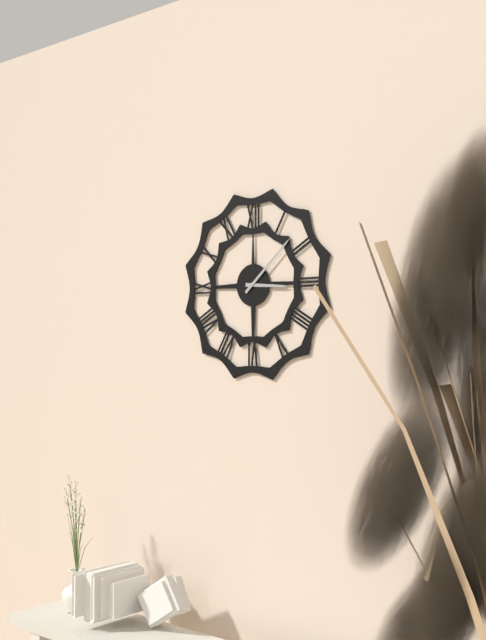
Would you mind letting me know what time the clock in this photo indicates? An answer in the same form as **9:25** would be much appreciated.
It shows **3:08**
